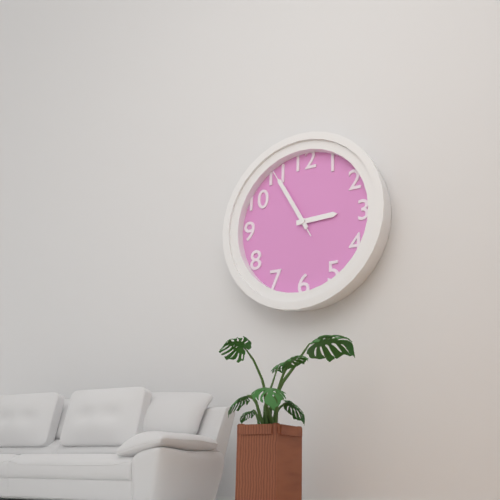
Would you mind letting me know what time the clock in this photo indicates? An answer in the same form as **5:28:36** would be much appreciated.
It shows **2:55:55**
